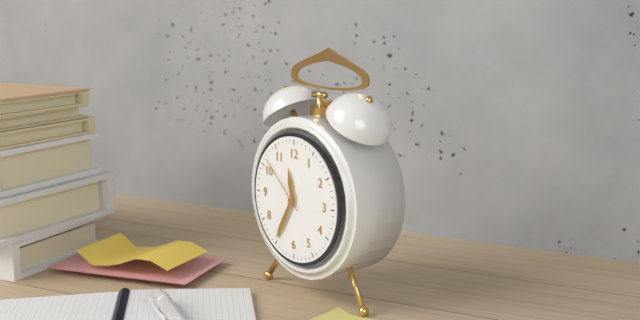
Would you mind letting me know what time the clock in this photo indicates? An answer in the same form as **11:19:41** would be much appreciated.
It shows **11:35:52**
